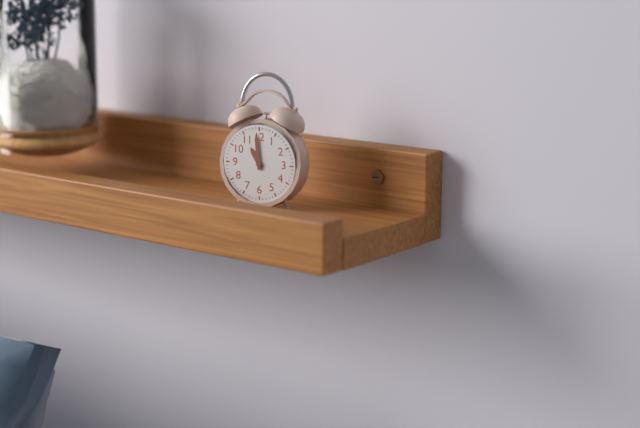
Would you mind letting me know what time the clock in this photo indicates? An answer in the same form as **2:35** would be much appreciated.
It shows **10:59**
